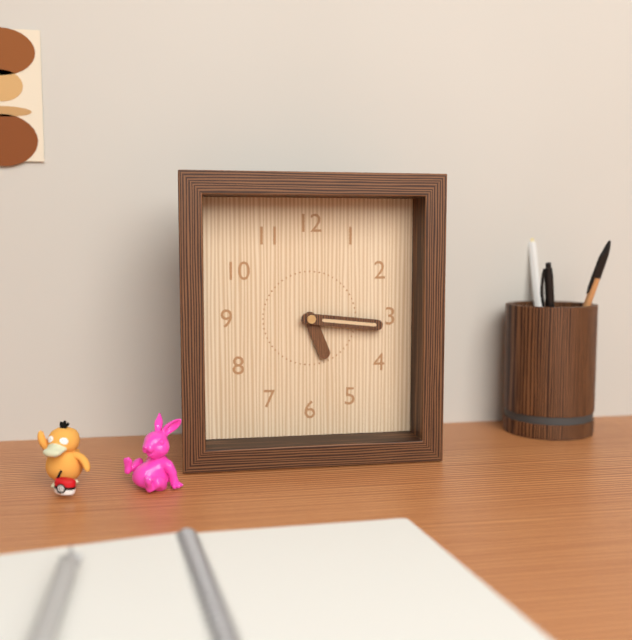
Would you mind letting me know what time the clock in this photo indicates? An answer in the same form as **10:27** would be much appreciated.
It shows **5:16**
